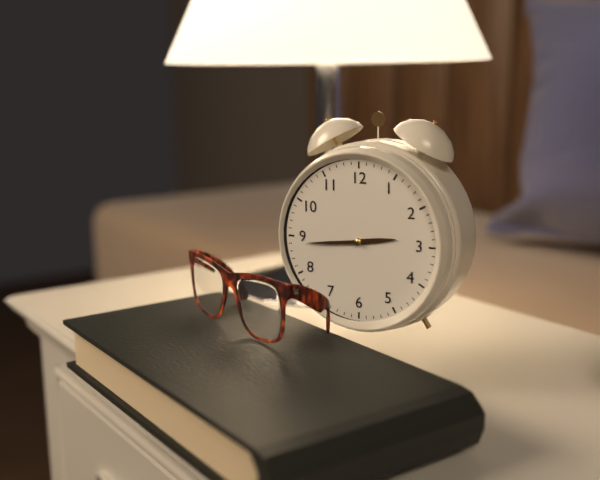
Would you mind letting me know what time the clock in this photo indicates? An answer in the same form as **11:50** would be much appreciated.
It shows **2:44**
